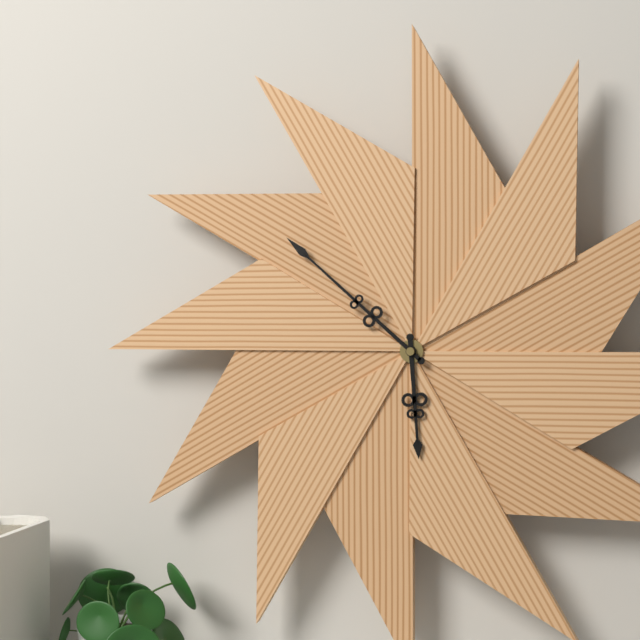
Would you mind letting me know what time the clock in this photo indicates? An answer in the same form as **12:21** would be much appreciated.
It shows **5:52**
